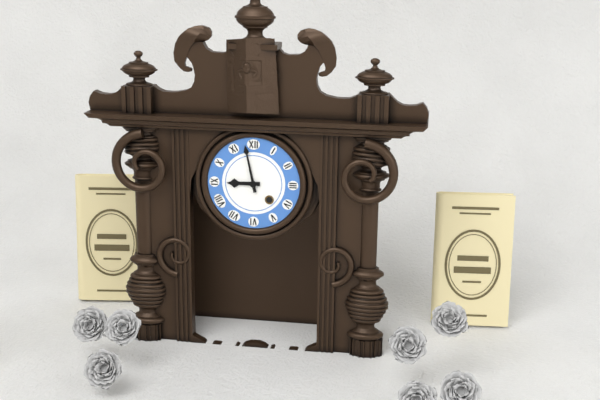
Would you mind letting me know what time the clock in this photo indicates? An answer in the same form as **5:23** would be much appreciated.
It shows **8:58**
